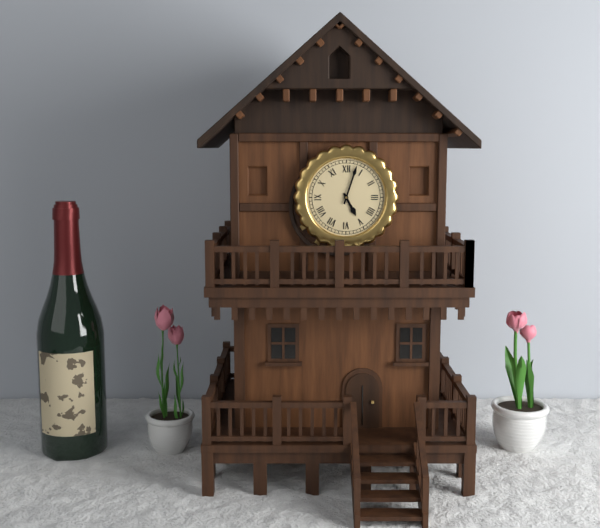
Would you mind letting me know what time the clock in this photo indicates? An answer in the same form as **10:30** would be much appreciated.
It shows **5:03**
